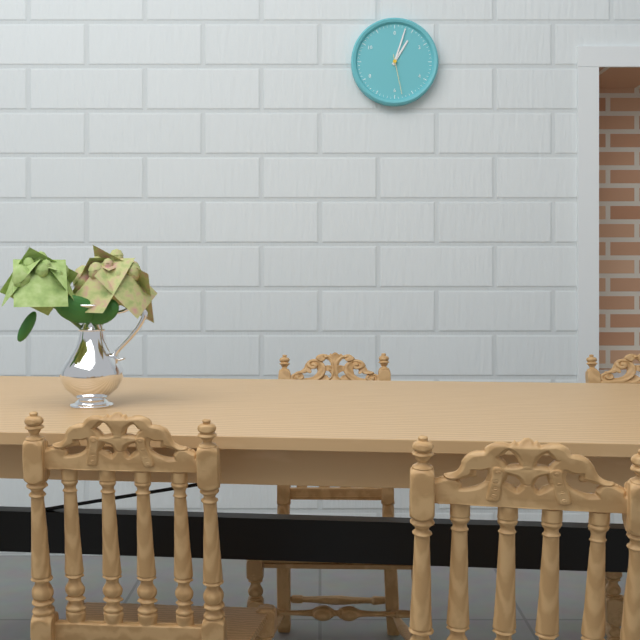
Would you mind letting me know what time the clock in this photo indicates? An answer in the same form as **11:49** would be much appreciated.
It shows **1:03**
